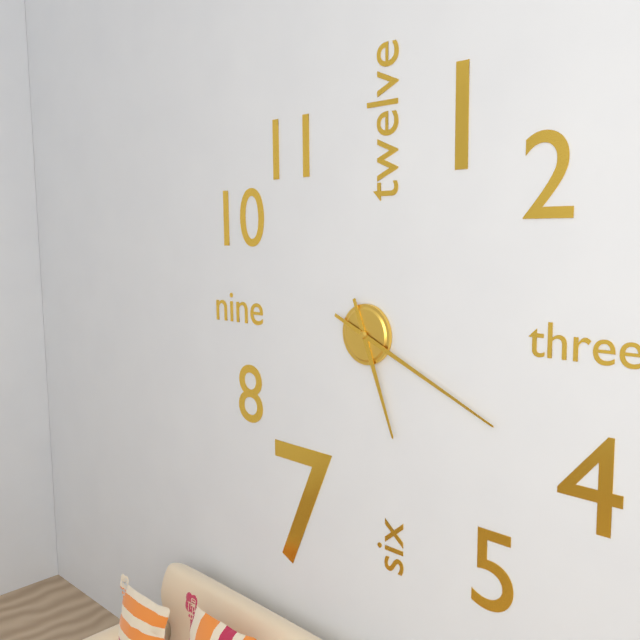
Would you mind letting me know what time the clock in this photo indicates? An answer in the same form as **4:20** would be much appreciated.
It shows **5:19**
